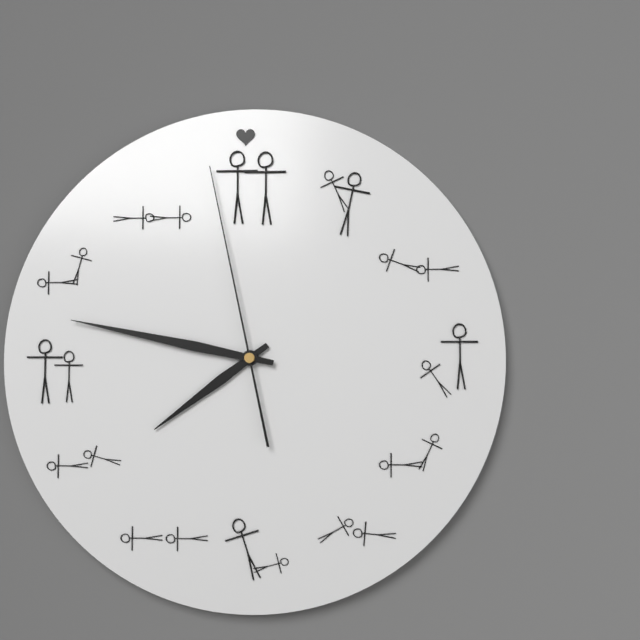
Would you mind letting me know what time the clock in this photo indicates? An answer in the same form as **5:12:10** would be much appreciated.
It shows **7:47:58**
